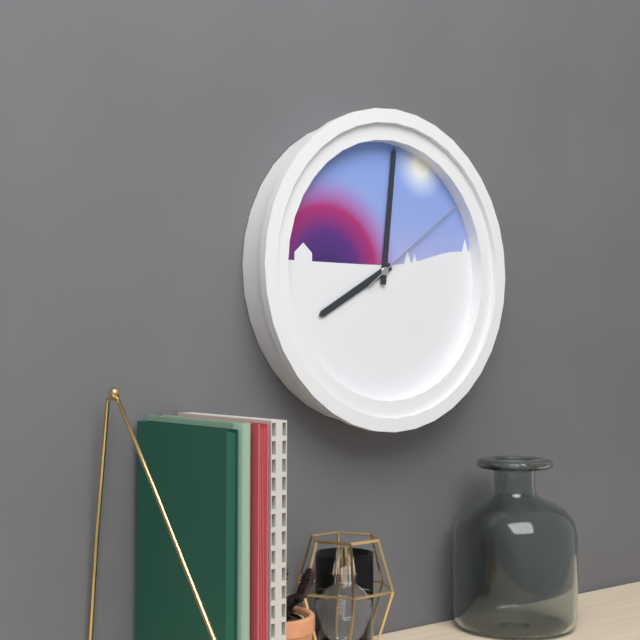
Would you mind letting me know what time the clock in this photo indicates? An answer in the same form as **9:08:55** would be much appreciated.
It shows **8:01:09**
